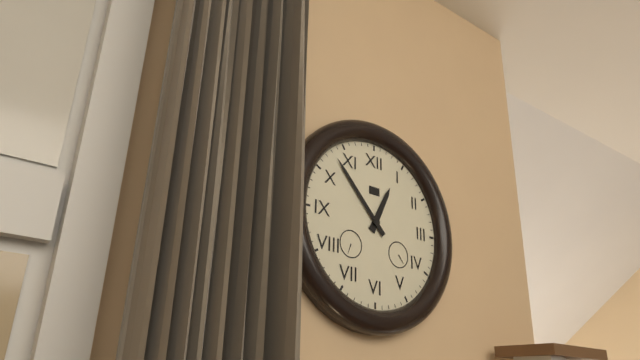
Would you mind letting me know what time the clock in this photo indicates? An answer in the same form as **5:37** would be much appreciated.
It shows **12:53**
